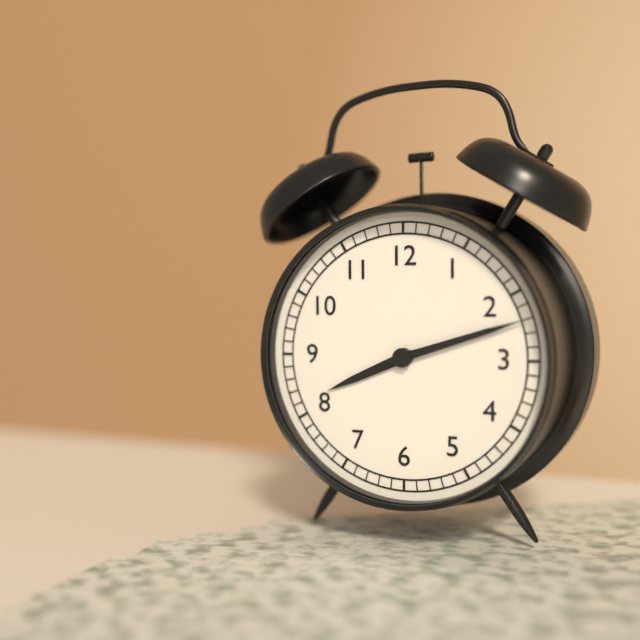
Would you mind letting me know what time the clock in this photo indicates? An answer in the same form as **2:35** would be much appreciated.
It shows **8:12**
